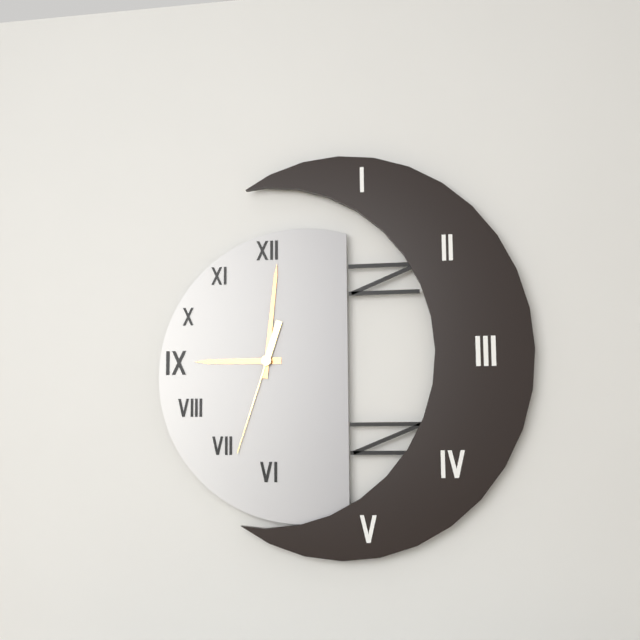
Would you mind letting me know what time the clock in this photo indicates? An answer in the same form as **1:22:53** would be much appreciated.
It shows **9:01:33**
